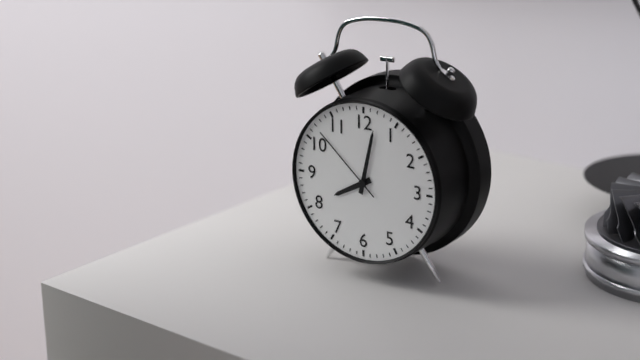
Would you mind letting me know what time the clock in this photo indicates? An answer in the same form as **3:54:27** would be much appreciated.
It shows **8:02:52**
